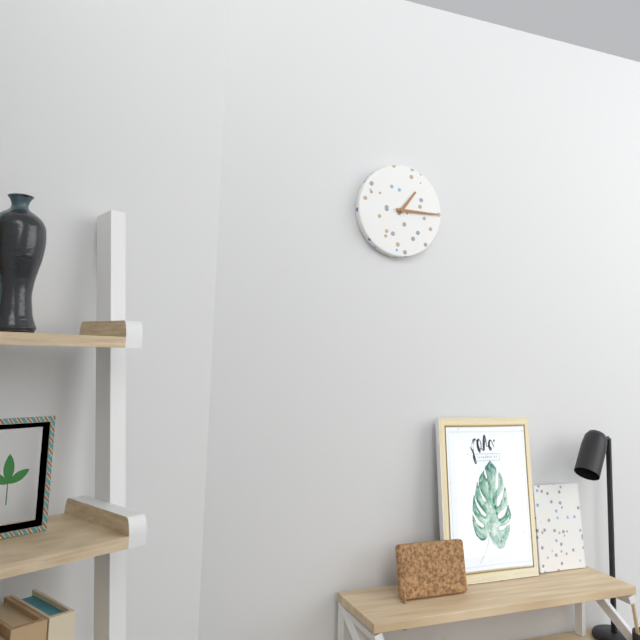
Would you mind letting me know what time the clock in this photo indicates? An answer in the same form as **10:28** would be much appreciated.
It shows **1:15**
